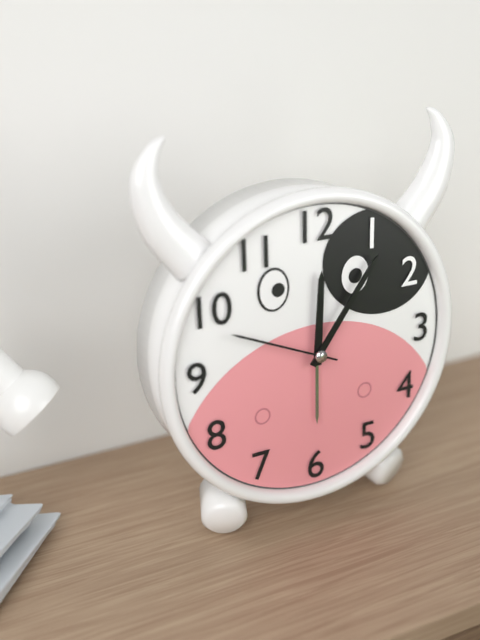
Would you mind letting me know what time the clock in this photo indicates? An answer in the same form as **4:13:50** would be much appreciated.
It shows **12:06:49**
